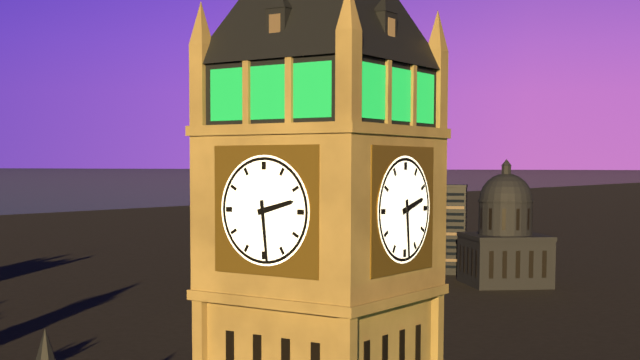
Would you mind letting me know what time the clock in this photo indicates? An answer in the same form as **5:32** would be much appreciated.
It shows **2:29**
